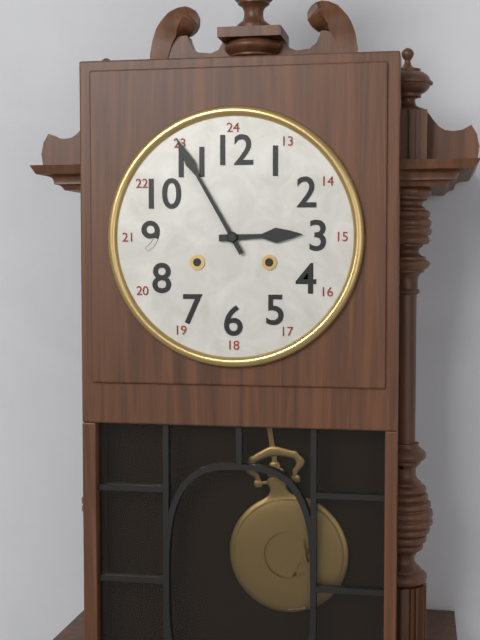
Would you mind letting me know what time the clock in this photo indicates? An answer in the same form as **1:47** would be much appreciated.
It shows **2:55**
